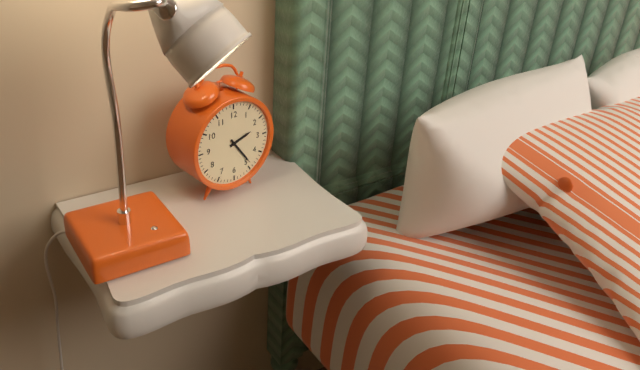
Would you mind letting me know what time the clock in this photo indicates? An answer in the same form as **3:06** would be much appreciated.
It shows **2:24**
